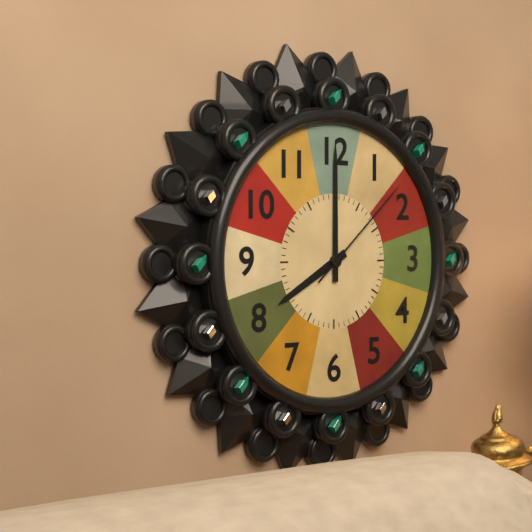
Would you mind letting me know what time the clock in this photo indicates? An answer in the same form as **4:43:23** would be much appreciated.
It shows **8:00:08**
